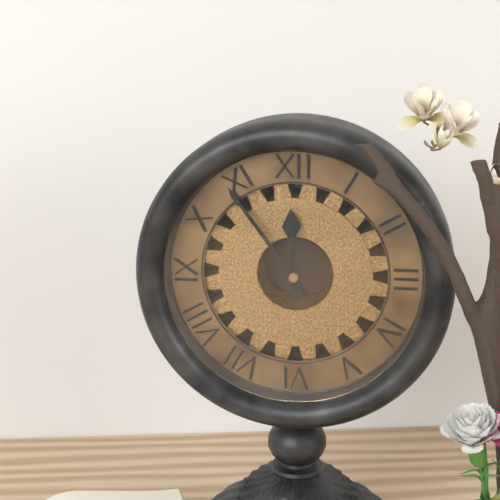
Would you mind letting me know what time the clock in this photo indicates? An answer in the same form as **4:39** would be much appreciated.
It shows **11:54**
